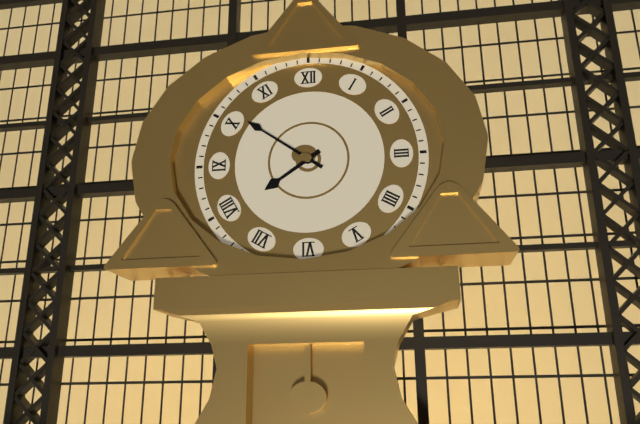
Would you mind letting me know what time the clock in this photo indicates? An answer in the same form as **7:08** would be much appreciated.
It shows **7:51**
